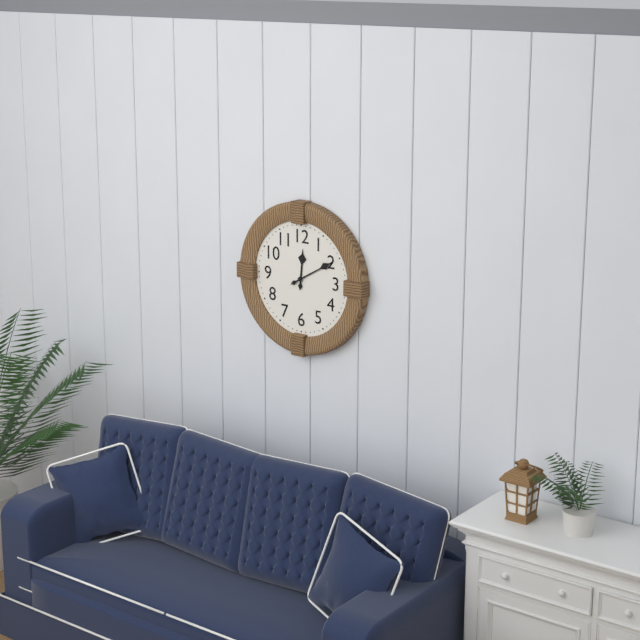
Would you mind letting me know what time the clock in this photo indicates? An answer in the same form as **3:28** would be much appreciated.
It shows **12:10**
